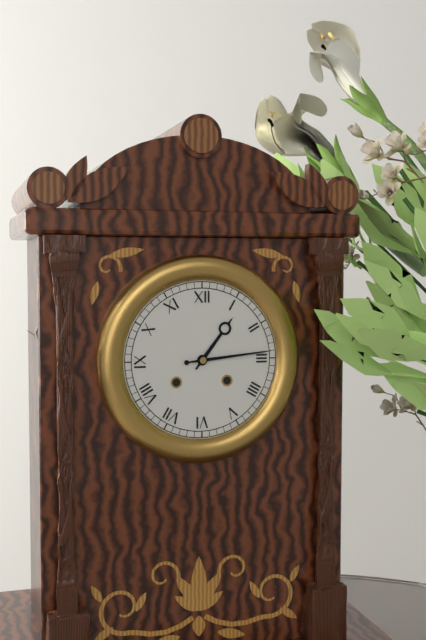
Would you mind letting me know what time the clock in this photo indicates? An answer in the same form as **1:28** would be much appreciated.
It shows **1:14**
